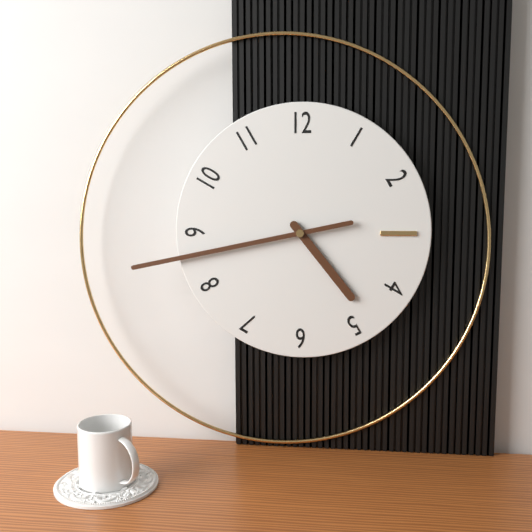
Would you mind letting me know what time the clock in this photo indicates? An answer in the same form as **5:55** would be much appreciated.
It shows **4:43**
